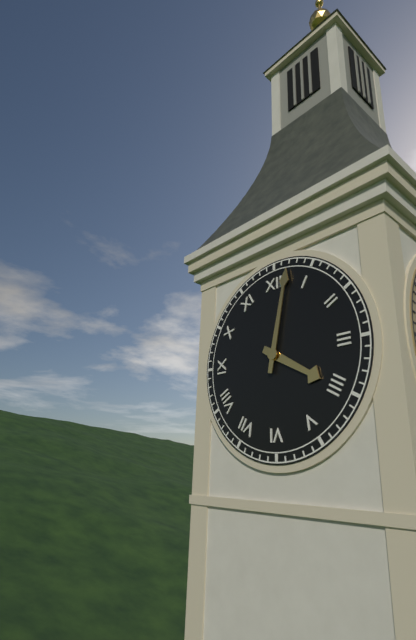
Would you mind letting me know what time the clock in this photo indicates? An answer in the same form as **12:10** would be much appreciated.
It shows **4:02**
